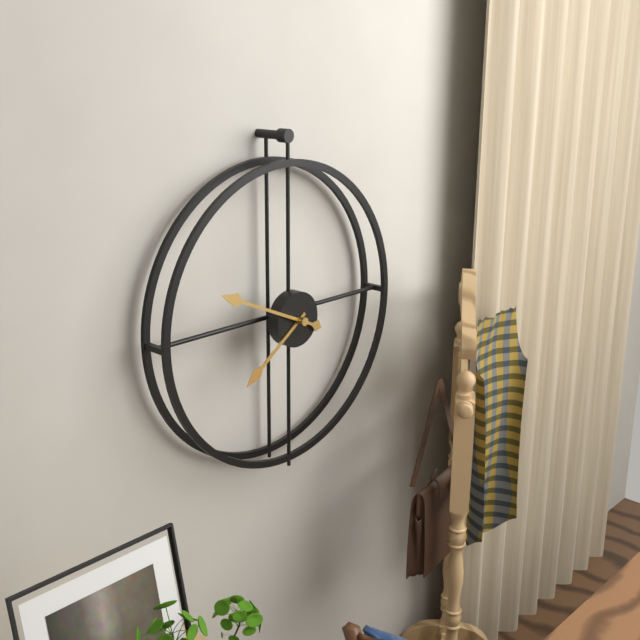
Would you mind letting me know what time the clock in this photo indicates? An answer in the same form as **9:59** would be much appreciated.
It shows **7:49**
